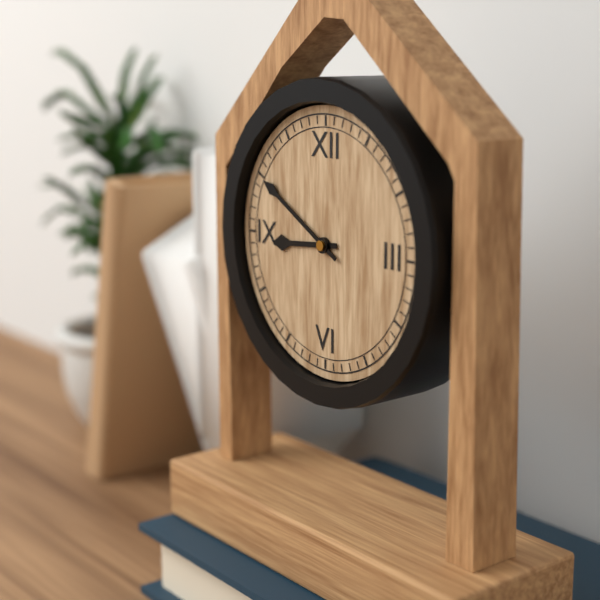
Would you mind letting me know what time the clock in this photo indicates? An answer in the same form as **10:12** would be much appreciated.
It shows **8:50**
